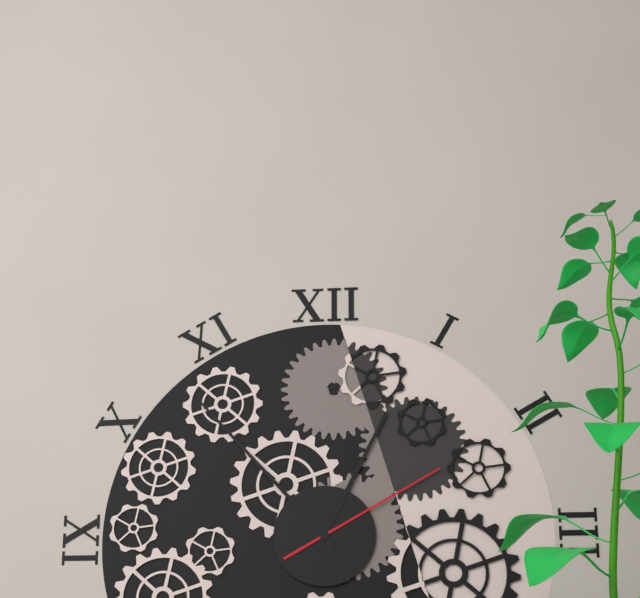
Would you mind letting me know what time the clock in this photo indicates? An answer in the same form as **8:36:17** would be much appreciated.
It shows **12:53:10**
